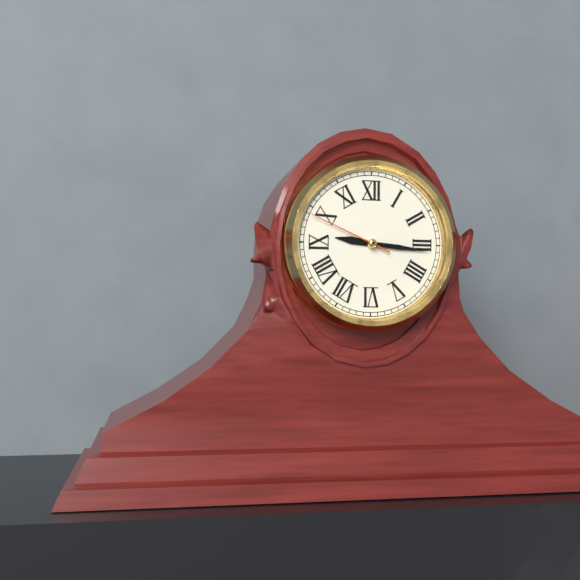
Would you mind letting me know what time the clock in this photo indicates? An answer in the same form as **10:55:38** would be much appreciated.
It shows **9:16:49**
